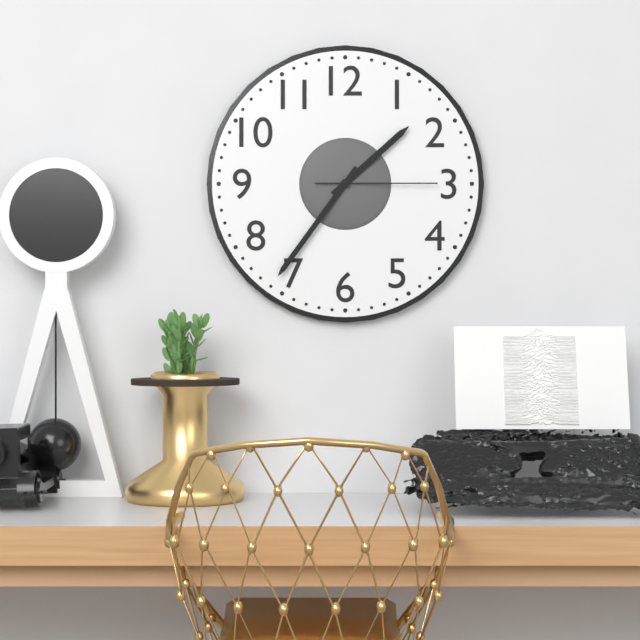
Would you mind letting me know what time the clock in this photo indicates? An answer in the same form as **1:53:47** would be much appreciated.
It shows **1:36:15**
